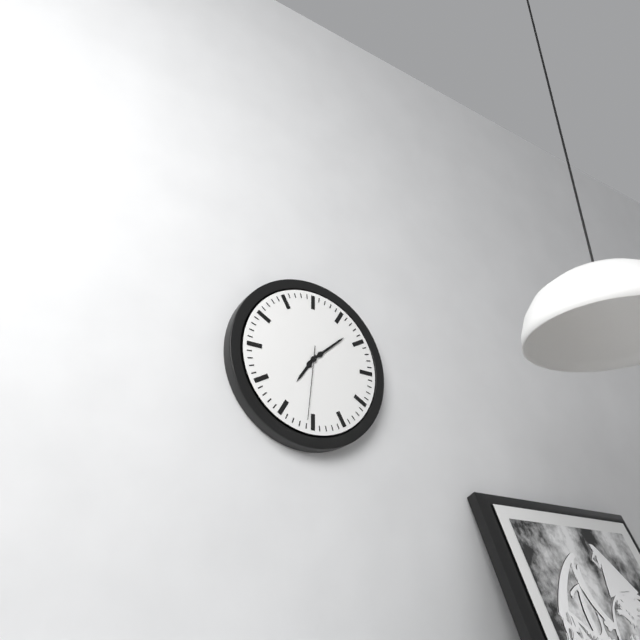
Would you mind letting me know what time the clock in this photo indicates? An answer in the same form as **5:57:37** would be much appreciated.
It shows **7:08:31**
